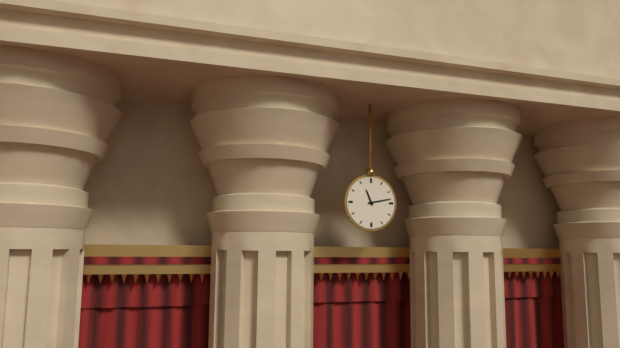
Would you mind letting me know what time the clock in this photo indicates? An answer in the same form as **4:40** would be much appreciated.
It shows **11:13**
